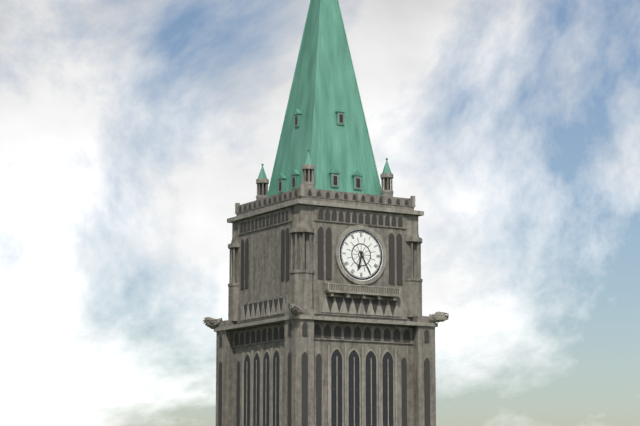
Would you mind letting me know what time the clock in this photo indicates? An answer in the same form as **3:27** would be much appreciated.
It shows **6:25**
